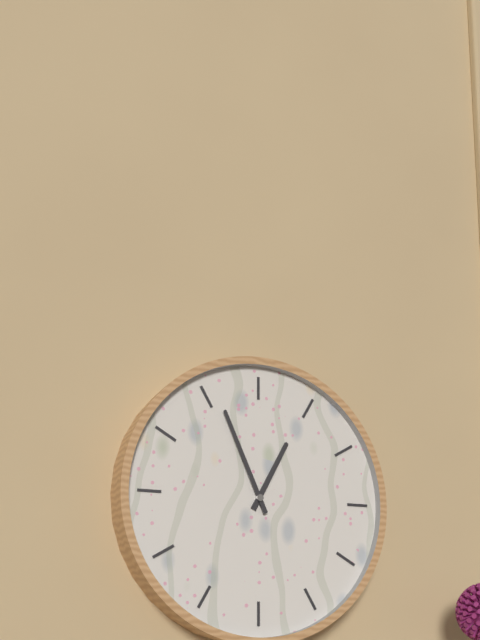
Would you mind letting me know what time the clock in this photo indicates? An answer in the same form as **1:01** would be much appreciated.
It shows **12:56**
